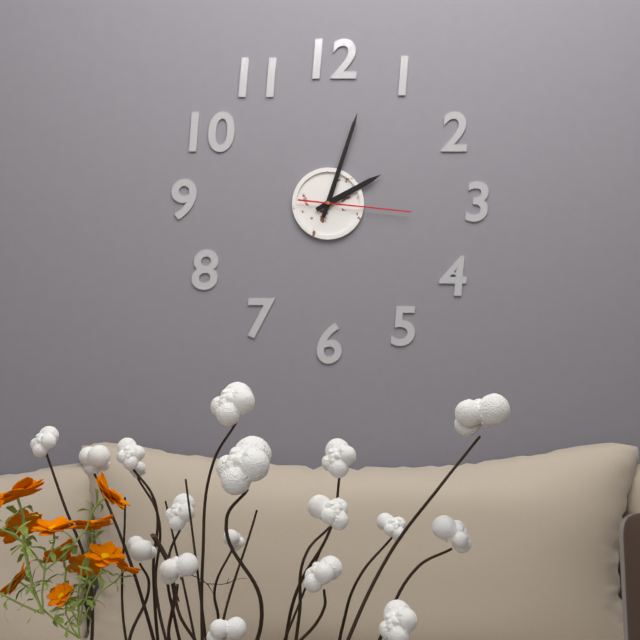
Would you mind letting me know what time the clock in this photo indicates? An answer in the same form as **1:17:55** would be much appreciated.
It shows **2:03:16**
